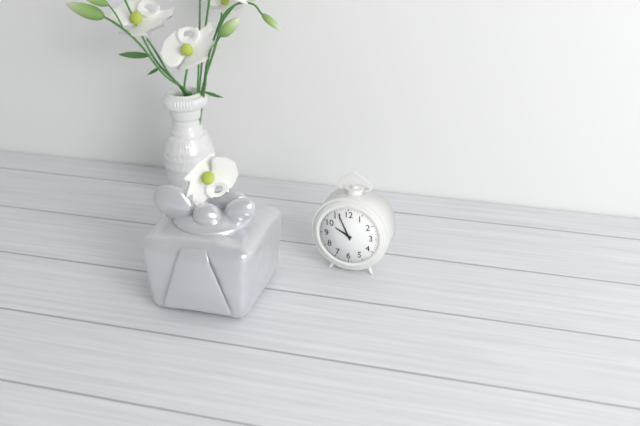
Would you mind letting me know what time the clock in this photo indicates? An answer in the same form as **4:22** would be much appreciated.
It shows **9:56**
